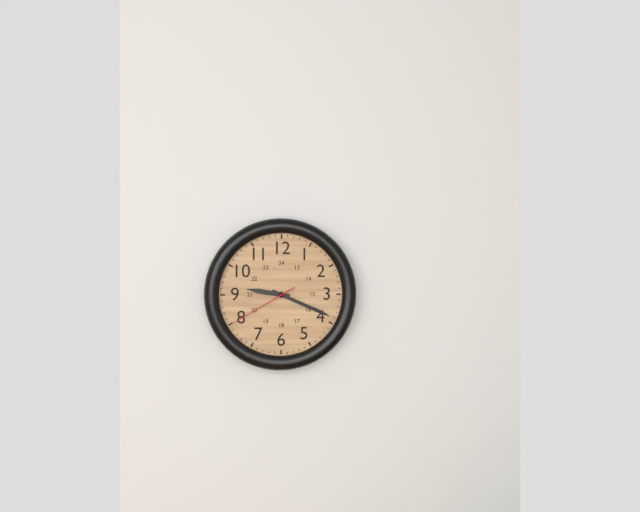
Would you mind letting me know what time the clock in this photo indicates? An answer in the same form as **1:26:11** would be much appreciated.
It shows **9:19:40**
